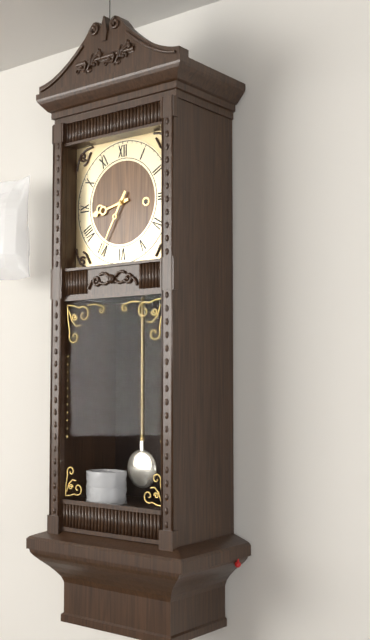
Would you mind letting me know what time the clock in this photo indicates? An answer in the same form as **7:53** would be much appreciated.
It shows **8:35**
